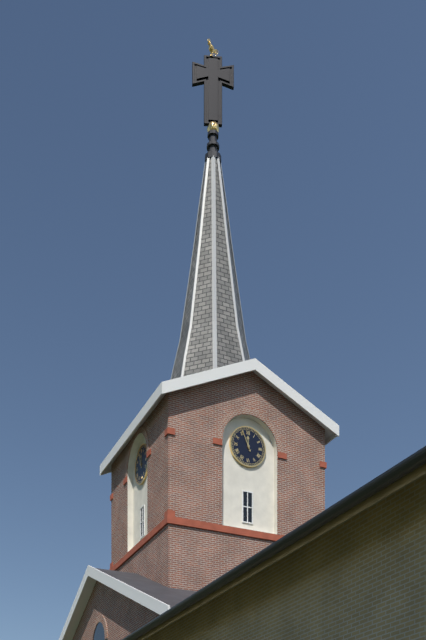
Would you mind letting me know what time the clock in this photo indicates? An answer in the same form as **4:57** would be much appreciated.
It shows **11:56**
